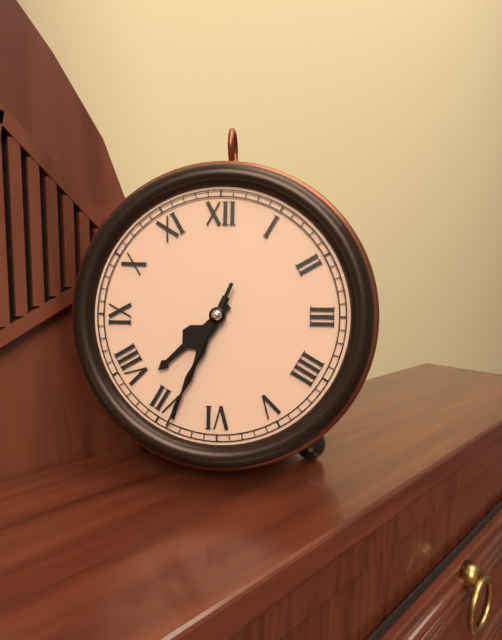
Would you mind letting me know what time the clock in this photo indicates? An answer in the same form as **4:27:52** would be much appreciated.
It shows **7:34:34**
